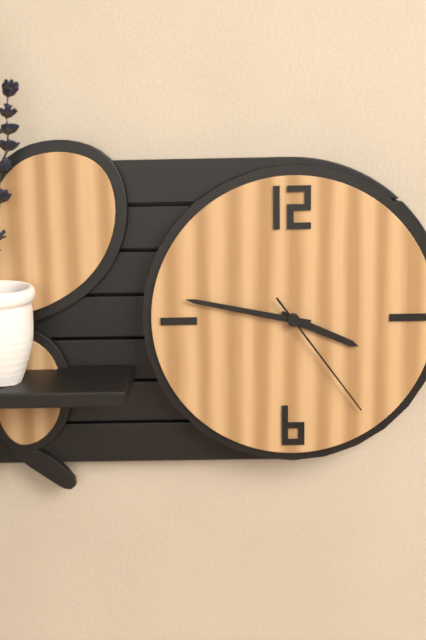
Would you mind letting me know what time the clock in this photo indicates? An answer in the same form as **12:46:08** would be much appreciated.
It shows **3:47:24**
